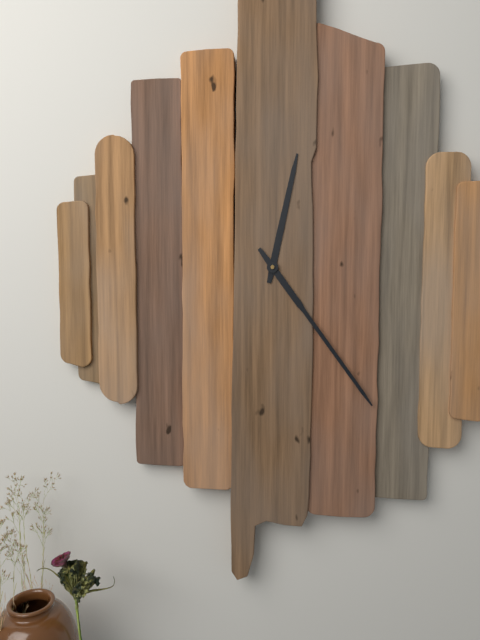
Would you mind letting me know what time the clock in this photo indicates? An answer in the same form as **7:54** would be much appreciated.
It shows **12:24**
